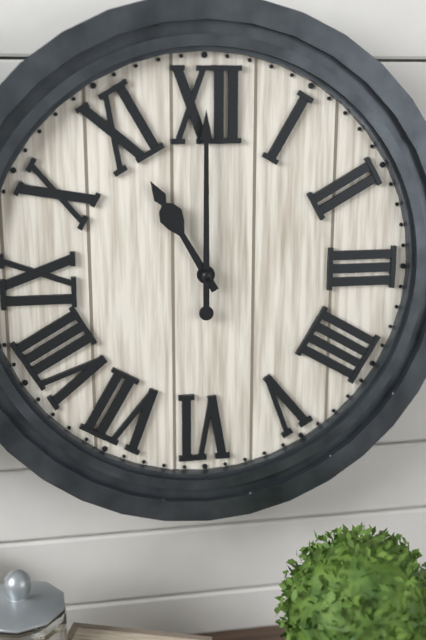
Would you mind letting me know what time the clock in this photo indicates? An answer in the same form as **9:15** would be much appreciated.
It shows **11:00**
